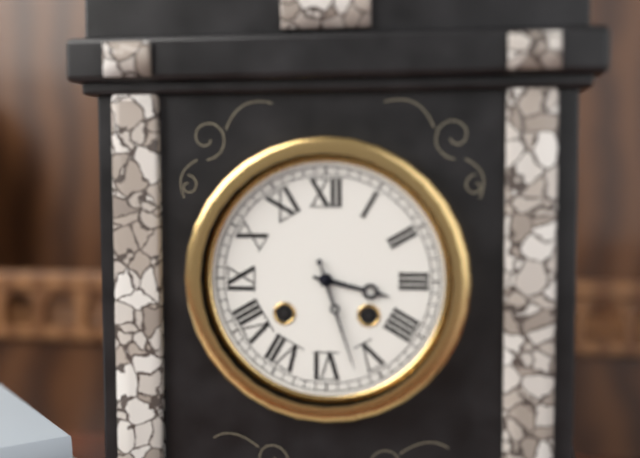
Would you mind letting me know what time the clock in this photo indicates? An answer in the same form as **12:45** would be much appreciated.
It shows **3:27**
